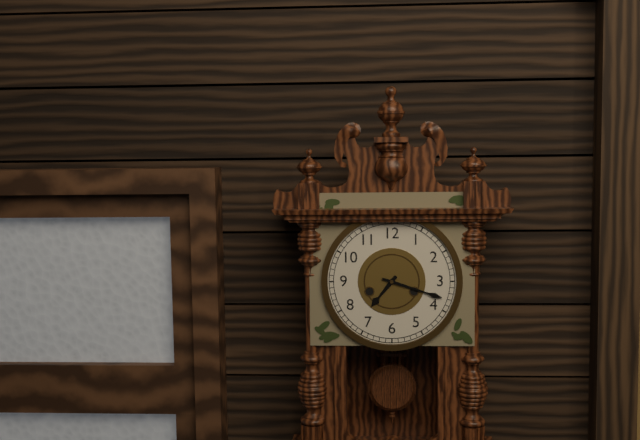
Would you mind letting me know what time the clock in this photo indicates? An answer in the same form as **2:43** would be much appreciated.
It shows **7:18**
